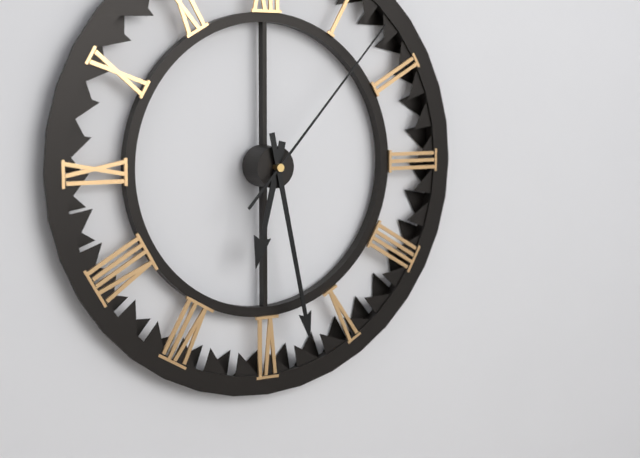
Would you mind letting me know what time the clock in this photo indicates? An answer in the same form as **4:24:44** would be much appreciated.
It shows **6:28:07**
